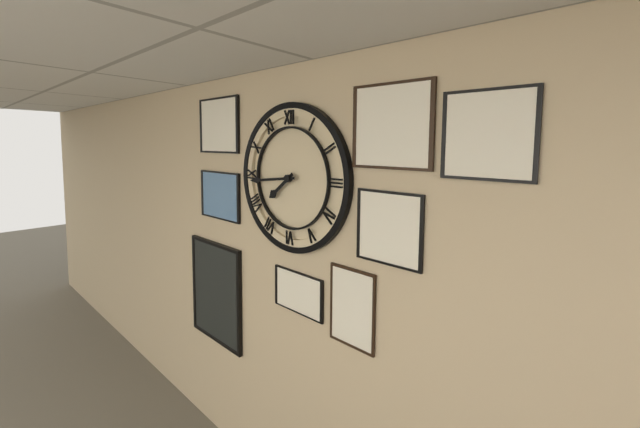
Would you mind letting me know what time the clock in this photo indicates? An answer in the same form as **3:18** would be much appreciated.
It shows **7:44**
